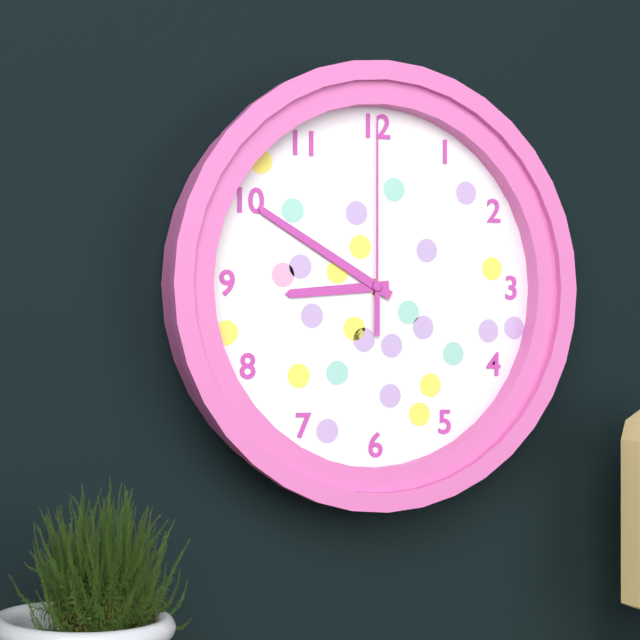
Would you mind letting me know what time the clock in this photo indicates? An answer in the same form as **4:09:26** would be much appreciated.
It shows **8:50:00**
